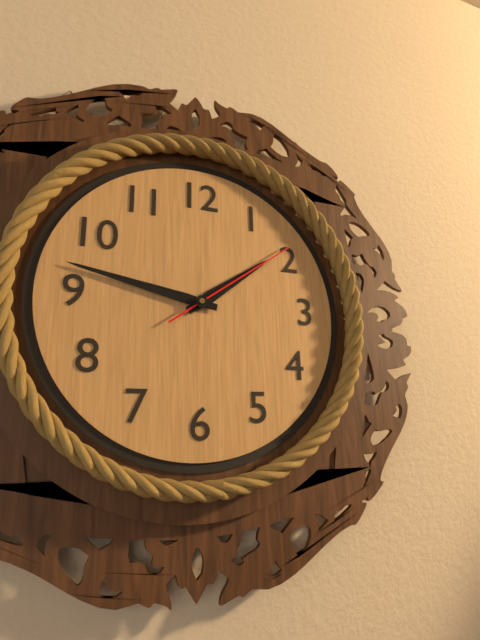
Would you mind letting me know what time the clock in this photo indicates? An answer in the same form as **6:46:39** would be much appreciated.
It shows **1:47:09**
